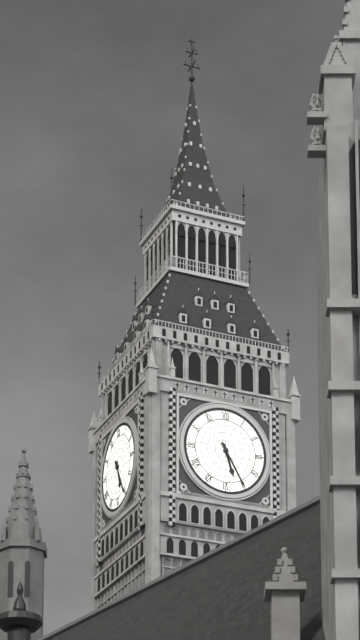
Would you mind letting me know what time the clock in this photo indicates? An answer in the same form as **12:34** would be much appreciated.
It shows **5:25**
